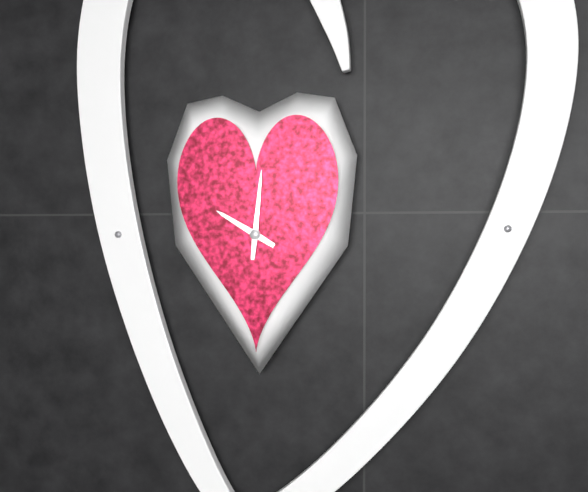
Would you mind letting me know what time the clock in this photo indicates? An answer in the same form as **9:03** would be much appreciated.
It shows **10:01**
